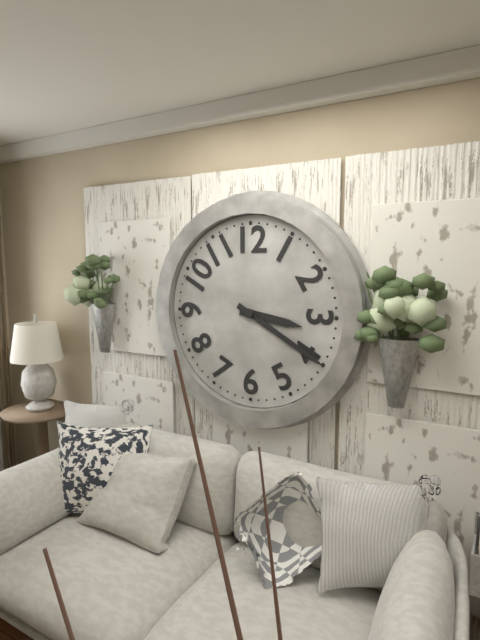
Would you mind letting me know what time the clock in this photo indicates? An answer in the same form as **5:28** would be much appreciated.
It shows **3:20**
